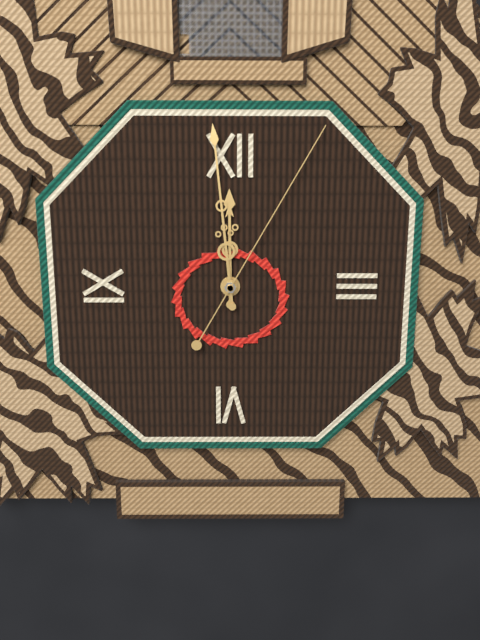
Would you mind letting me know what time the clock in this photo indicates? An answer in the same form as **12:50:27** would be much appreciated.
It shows **11:59:05**
